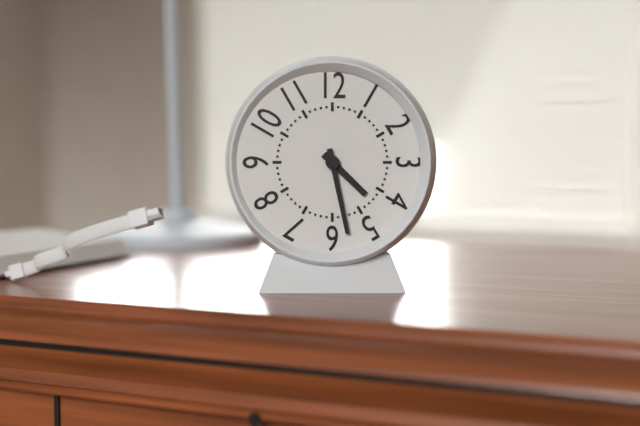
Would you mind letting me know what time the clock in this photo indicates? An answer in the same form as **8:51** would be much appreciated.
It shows **4:28**
